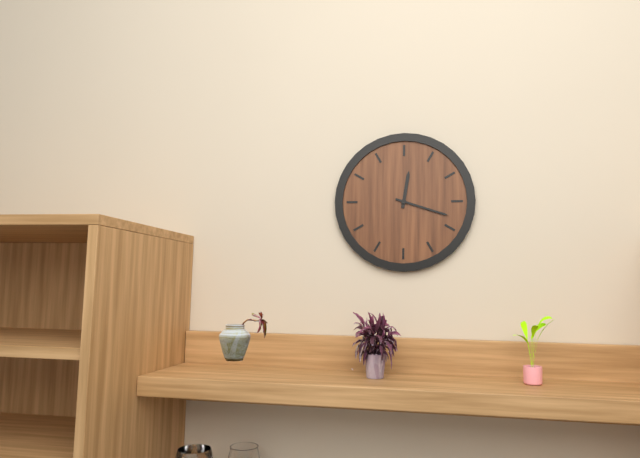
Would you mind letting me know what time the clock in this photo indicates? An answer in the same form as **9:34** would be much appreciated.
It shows **12:18**
